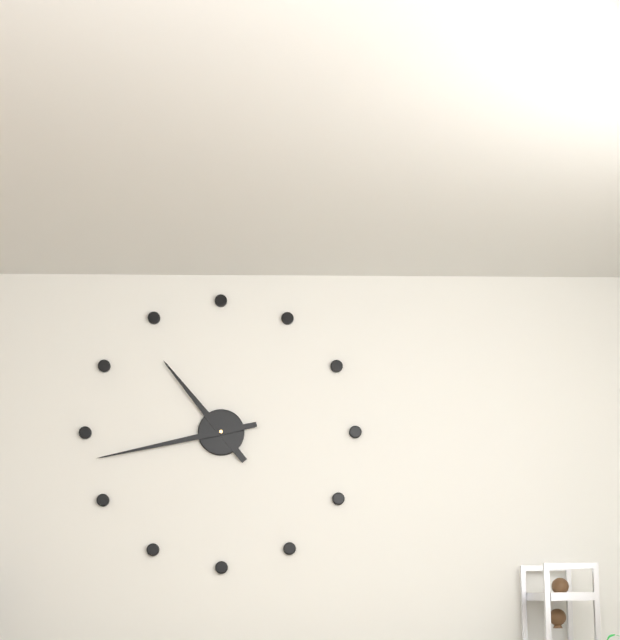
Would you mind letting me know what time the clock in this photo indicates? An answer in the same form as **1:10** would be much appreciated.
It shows **10:43**
